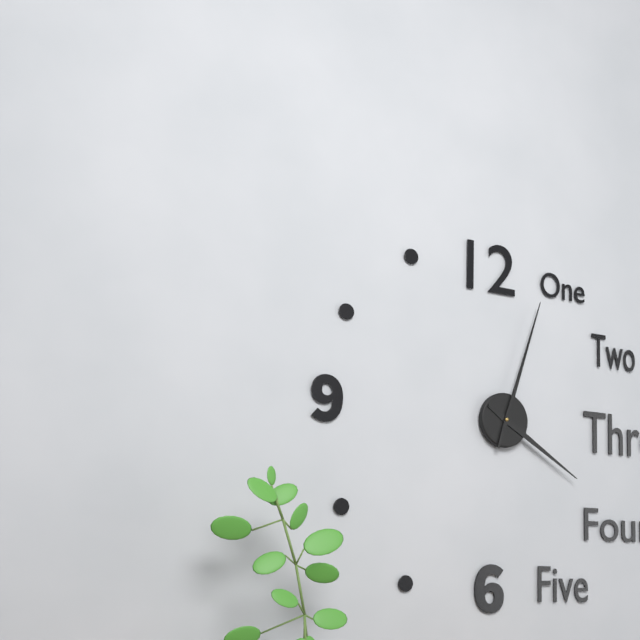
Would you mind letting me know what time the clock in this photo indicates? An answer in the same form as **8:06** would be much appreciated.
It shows **4:03**
